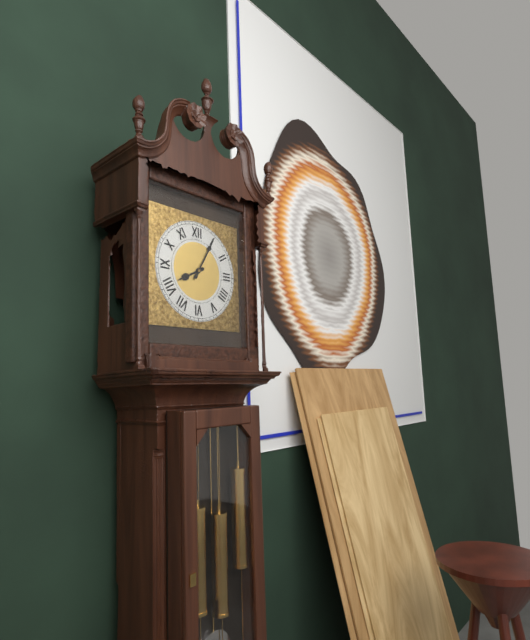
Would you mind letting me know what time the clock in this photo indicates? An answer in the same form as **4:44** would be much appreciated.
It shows **8:05**
